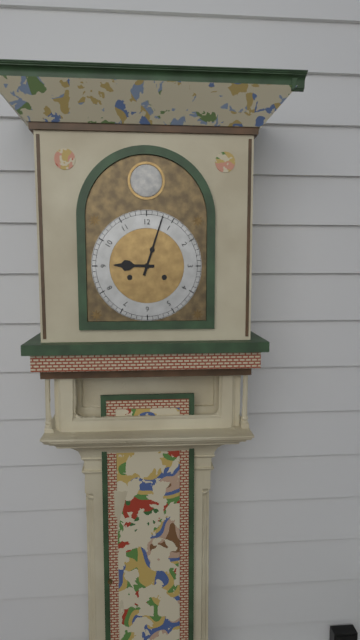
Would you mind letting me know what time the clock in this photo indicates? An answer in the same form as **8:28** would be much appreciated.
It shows **9:03**
